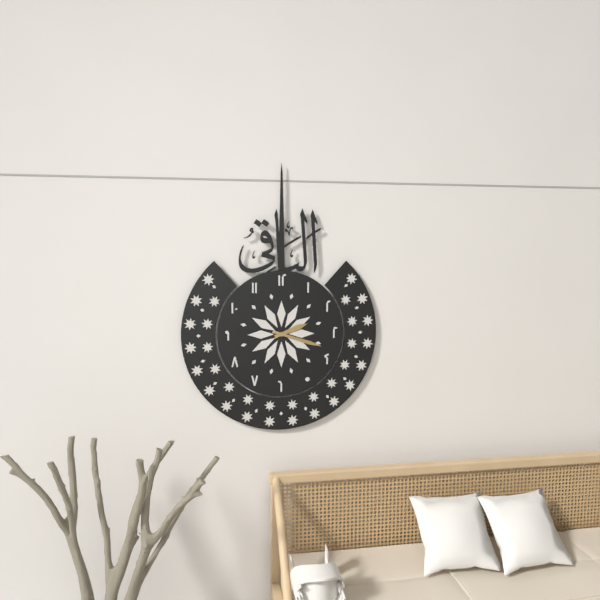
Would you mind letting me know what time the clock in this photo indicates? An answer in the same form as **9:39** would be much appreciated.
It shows **2:18**
